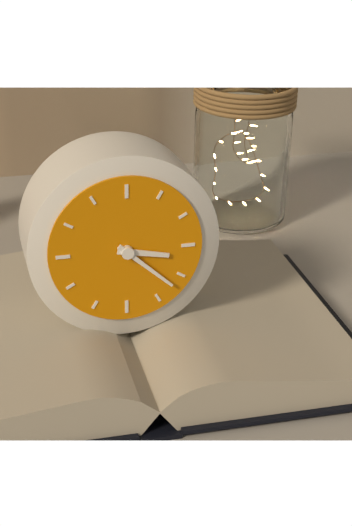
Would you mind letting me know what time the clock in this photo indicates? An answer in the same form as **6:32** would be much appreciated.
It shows **3:22**
